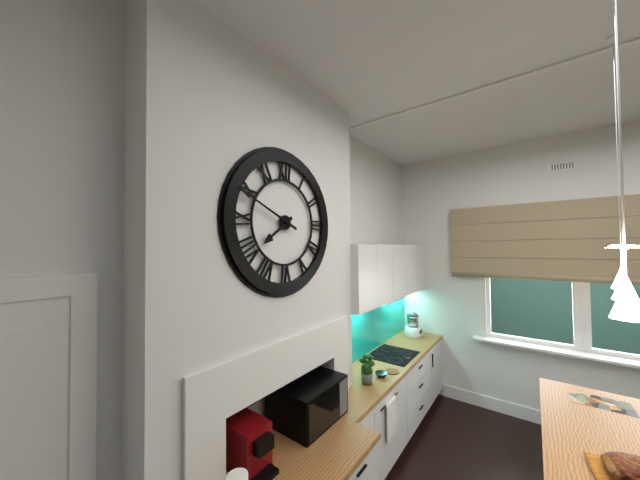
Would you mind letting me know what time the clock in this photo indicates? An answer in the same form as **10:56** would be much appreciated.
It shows **7:49**
